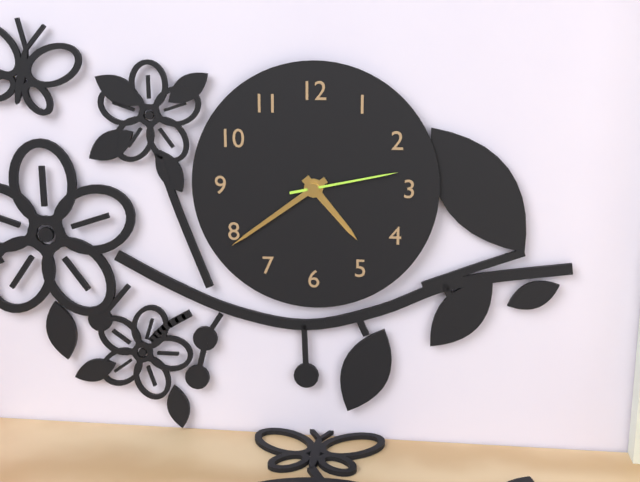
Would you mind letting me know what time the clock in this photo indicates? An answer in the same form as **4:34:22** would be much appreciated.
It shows **4:39:13**
